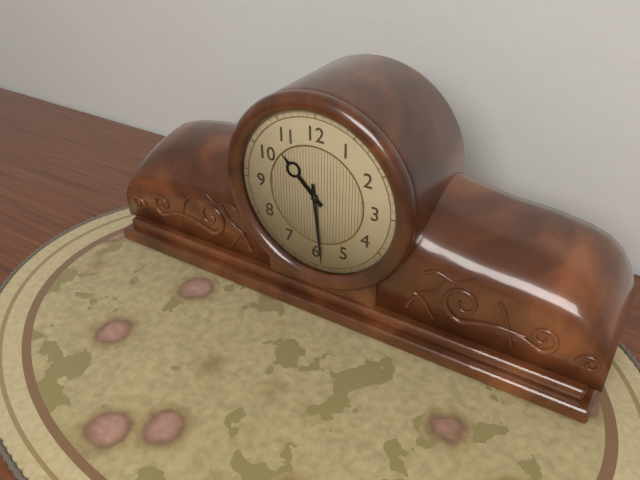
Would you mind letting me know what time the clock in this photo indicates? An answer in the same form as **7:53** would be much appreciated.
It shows **10:29**
